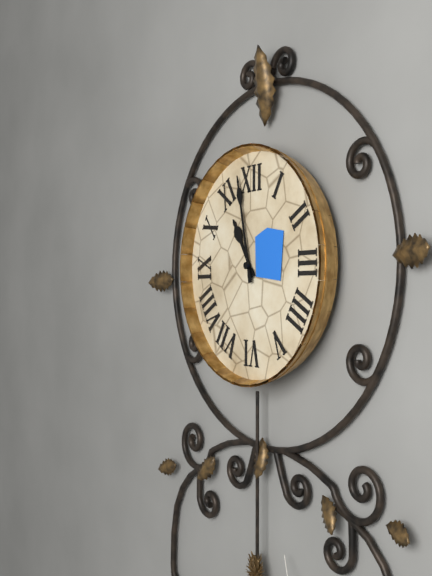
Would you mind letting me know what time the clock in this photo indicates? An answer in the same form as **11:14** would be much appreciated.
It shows **10:58**
